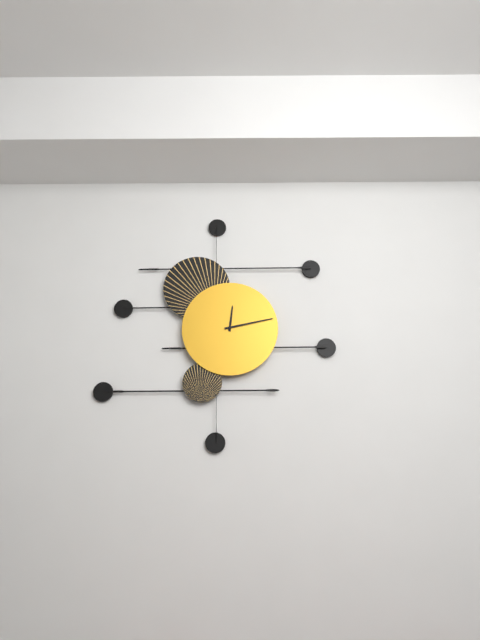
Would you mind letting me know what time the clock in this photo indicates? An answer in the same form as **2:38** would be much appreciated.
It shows **12:13**
